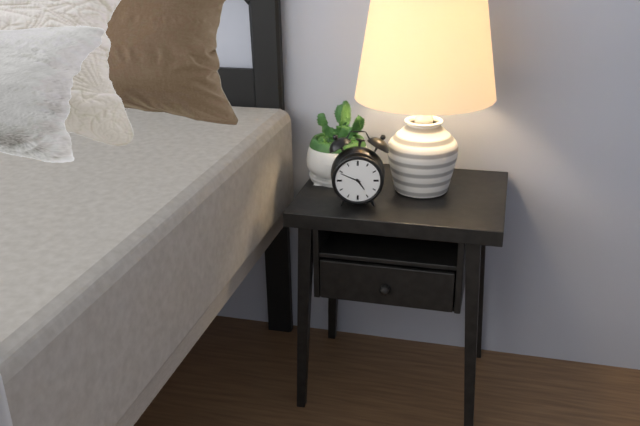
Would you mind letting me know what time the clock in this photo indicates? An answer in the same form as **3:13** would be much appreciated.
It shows **4:49**
